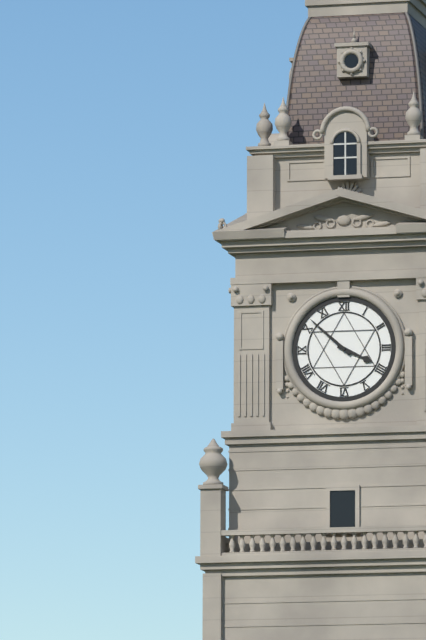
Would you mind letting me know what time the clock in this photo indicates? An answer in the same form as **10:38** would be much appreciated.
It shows **3:52**
